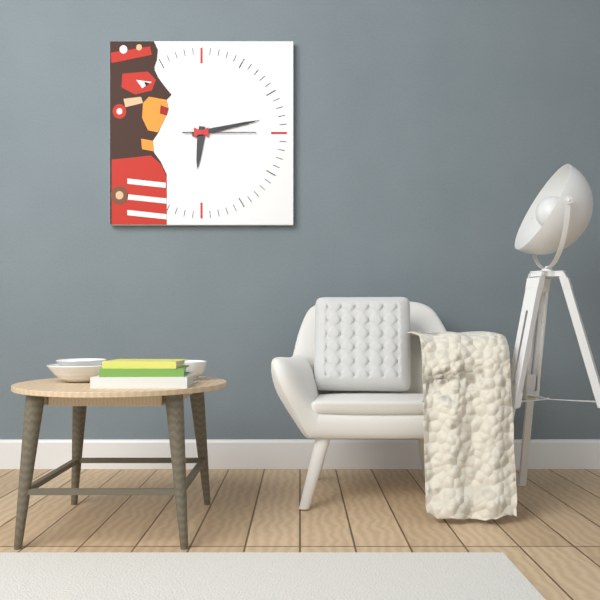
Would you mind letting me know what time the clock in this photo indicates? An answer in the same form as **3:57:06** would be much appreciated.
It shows **6:13:15**
